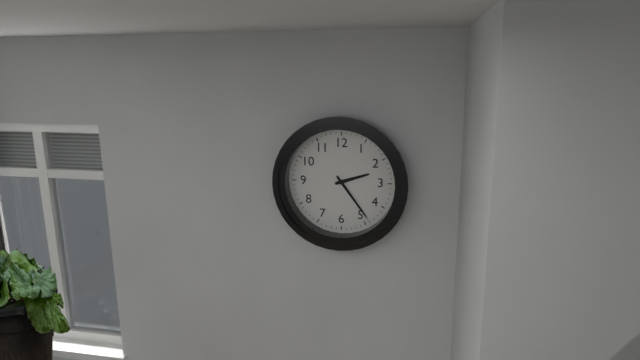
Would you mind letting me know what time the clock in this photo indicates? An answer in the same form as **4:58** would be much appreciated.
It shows **2:24**
